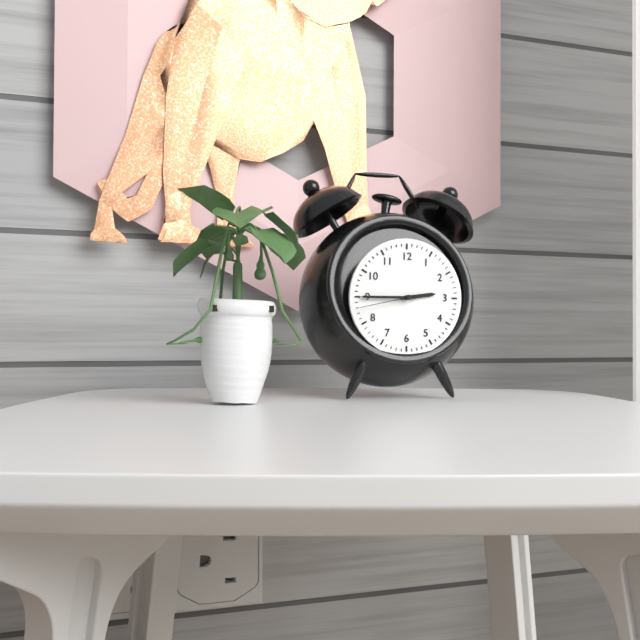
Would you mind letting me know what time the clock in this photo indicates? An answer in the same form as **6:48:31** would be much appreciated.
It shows **2:45:43**
